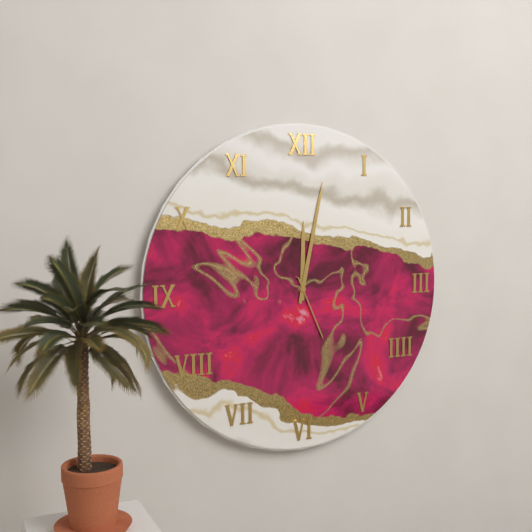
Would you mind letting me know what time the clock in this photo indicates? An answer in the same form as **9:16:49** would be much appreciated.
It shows **12:02:26**
